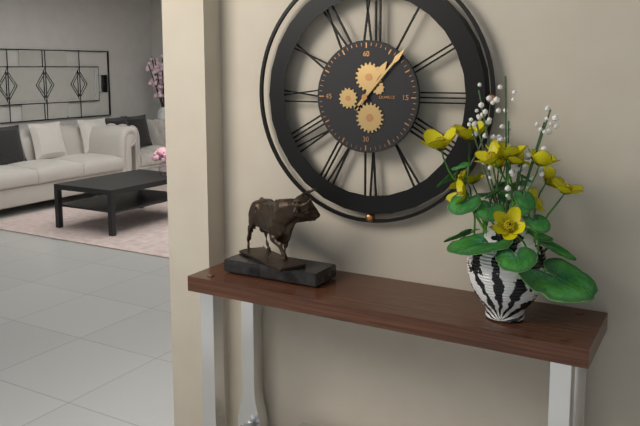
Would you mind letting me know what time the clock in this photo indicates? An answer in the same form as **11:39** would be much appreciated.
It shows **1:07**
